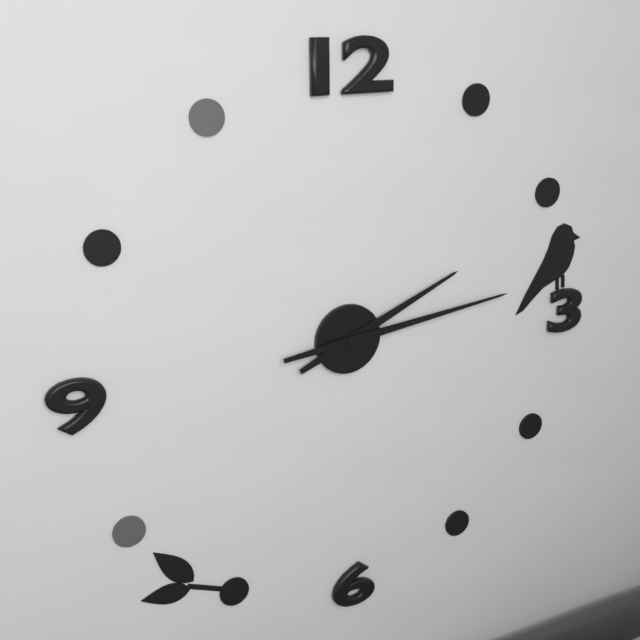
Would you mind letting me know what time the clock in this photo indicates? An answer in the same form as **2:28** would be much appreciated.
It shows **2:14**
